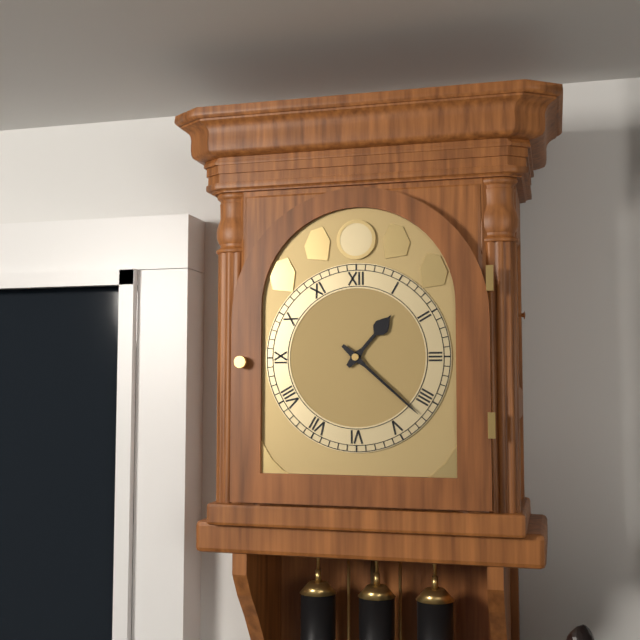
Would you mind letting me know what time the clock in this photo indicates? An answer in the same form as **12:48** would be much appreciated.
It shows **1:22**
